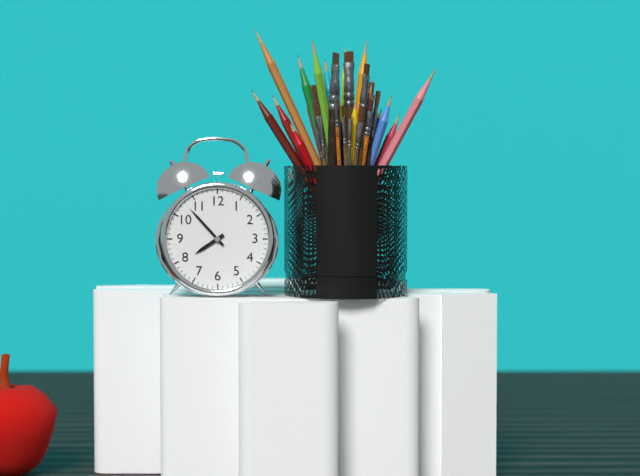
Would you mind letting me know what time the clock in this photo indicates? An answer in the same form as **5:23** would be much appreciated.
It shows **7:53**
